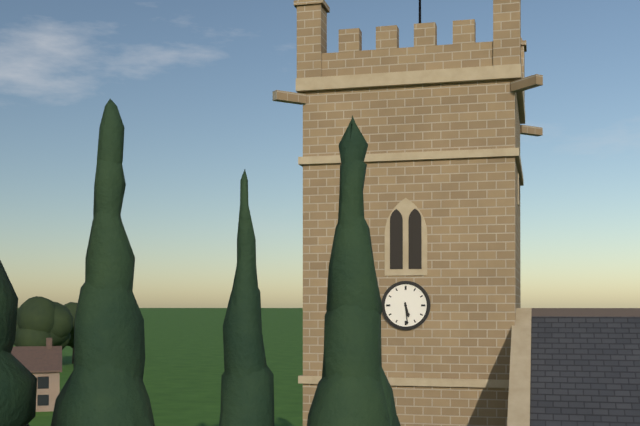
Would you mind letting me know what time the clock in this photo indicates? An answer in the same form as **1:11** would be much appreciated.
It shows **5:29**
